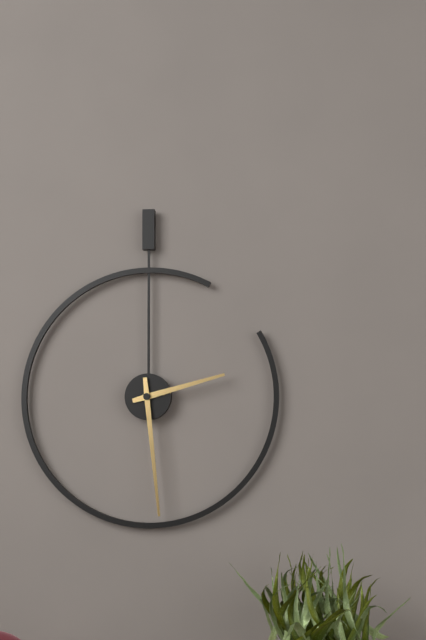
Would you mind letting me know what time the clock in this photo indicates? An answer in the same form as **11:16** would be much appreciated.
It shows **2:29**
